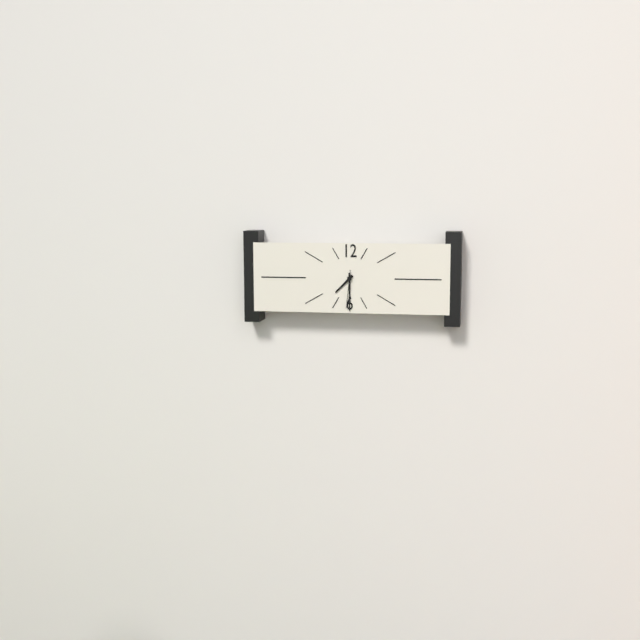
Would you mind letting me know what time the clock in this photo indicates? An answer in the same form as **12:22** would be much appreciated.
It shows **7:30**
